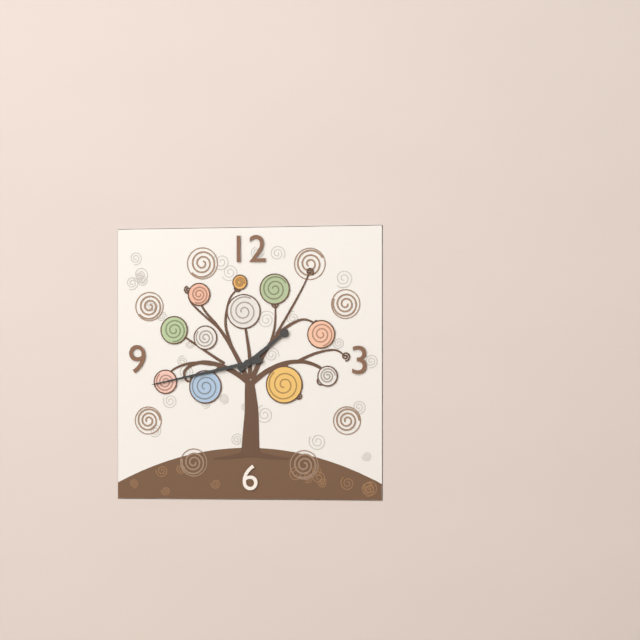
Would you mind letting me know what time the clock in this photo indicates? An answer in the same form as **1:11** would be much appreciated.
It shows **1:43**
